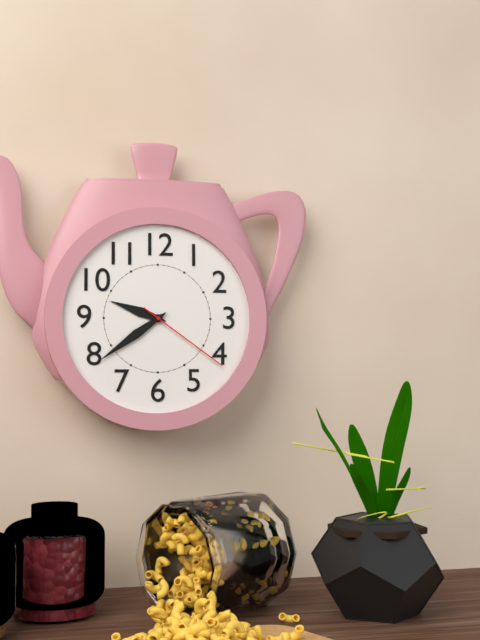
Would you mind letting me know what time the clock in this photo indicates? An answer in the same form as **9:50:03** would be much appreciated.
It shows **9:39:21**
